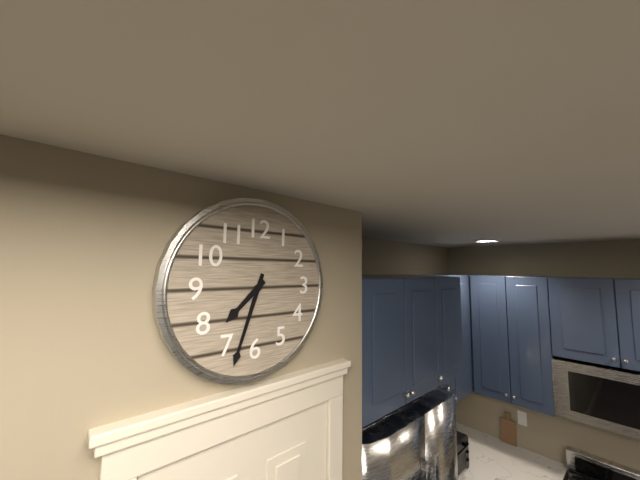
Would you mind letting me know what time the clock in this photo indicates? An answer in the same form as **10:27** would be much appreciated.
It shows **7:33**
